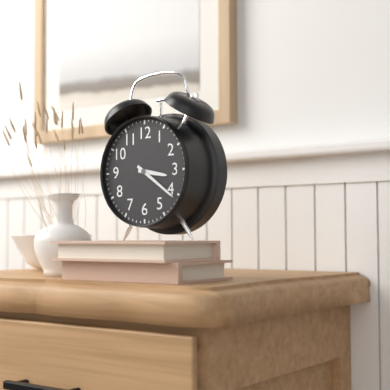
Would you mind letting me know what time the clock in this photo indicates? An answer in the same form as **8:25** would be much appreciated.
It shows **3:21**
